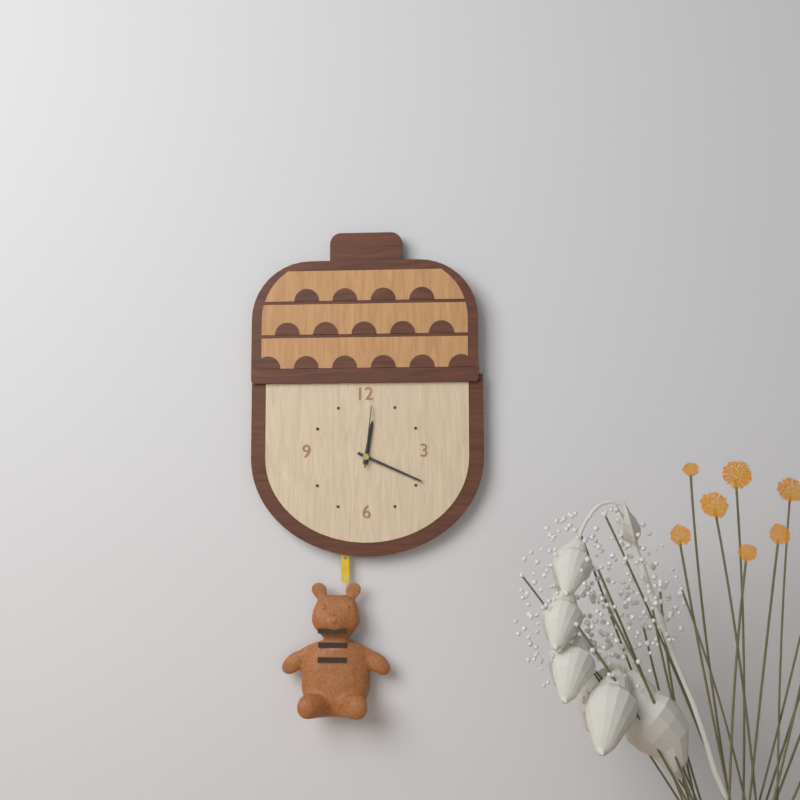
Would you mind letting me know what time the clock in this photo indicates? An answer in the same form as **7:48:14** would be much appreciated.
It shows **12:19:01**
